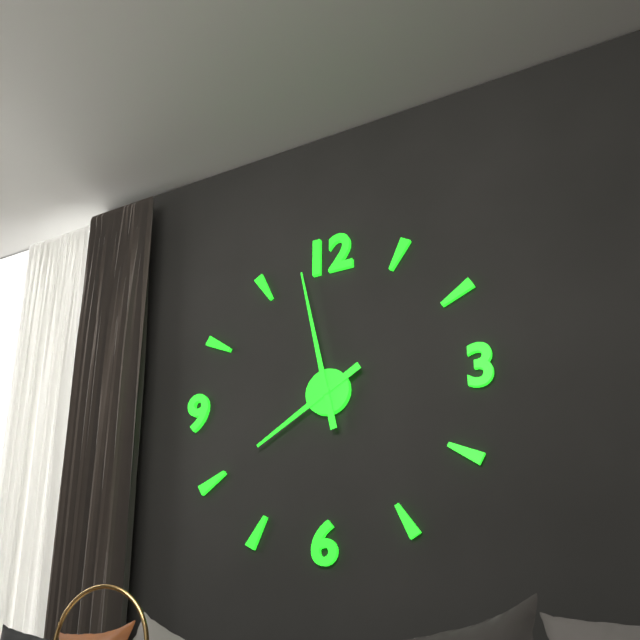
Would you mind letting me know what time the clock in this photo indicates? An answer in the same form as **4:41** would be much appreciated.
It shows **7:58**
